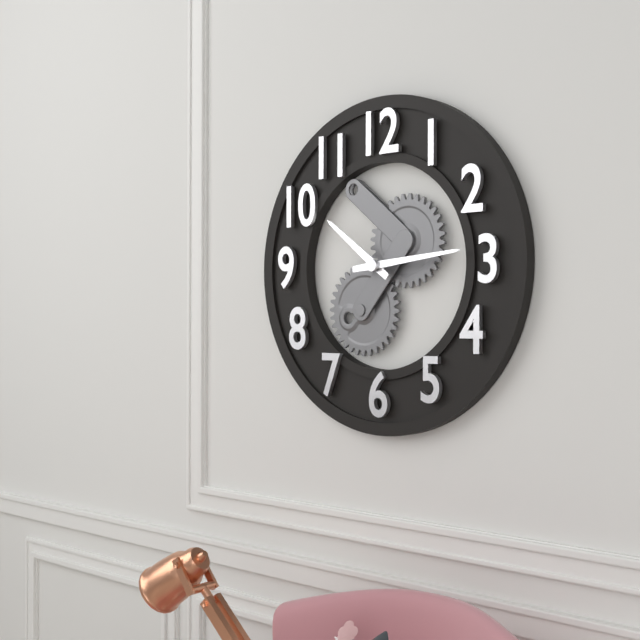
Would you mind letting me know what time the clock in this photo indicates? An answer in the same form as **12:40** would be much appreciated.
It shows **10:14**
